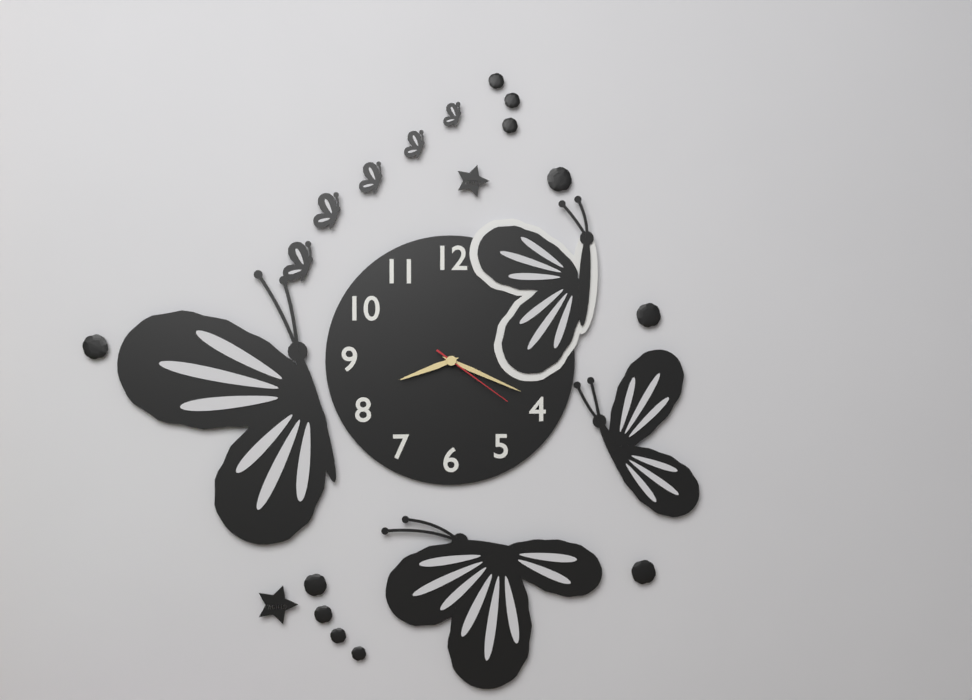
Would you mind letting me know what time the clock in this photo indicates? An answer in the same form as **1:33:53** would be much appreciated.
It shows **8:19:21**
